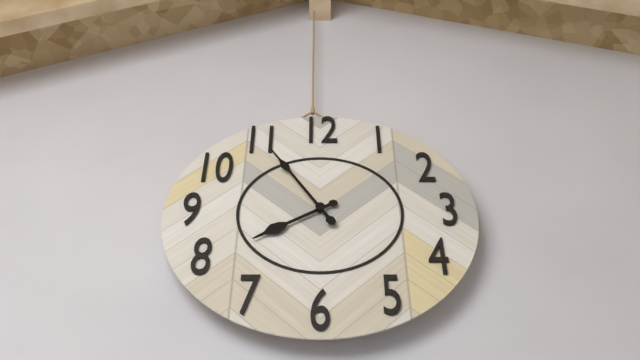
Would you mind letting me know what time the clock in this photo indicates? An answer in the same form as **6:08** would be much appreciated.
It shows **7:55**
